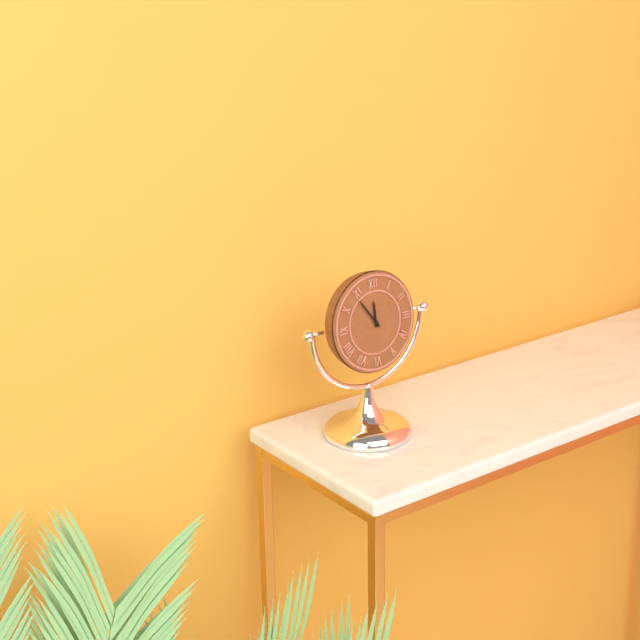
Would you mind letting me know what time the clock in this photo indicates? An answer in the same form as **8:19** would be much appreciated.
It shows **11:54**
